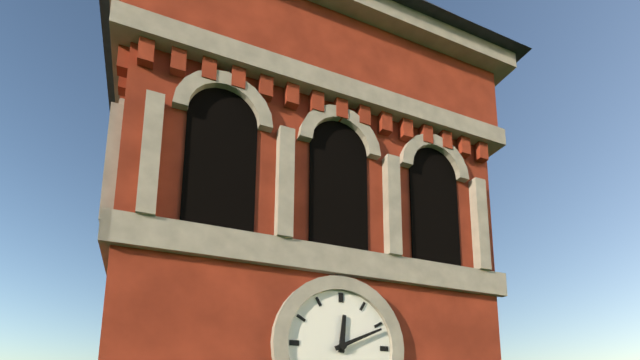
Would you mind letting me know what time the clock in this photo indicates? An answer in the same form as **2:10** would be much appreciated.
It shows **12:11**
